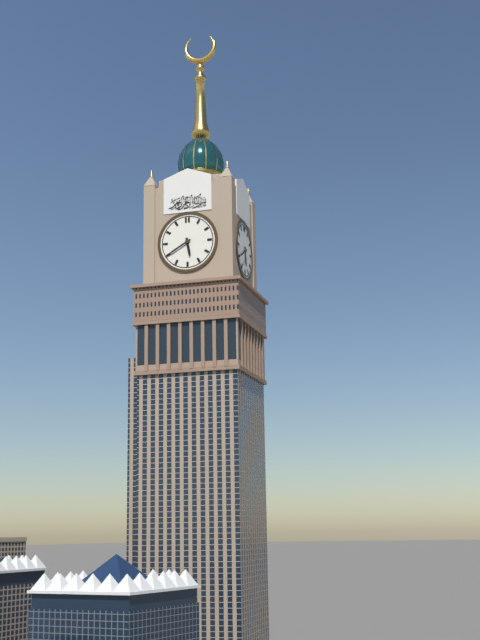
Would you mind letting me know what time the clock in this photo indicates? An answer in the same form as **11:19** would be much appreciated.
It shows **5:40**
